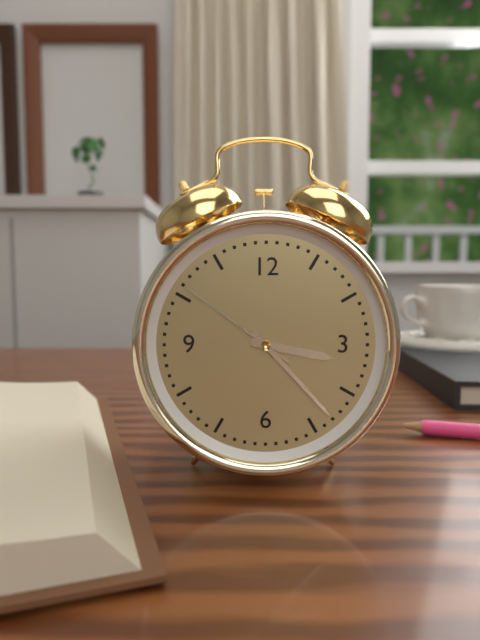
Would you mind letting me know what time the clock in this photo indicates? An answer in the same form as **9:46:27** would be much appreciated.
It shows **3:23:51**
